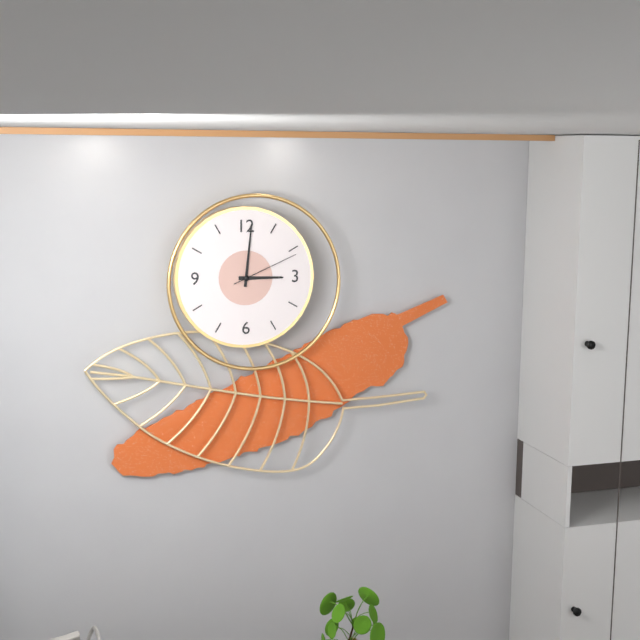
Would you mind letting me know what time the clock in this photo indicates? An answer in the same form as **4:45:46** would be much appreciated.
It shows **3:01:11**
